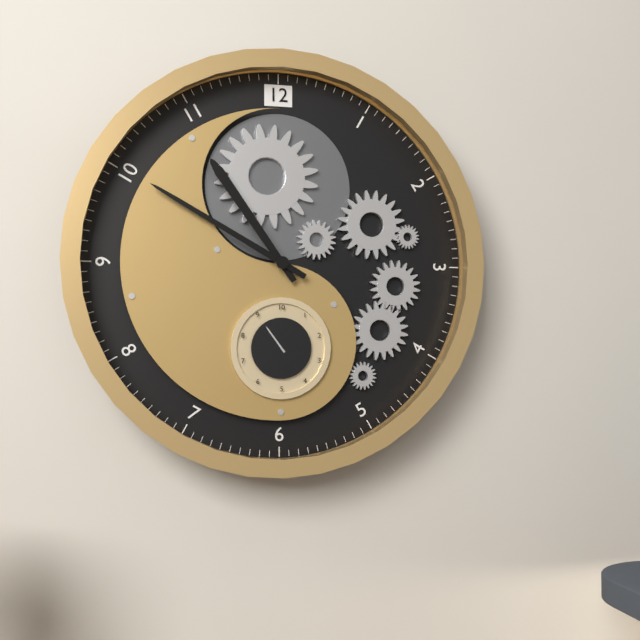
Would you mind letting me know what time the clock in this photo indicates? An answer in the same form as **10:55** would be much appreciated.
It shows **10:50**
